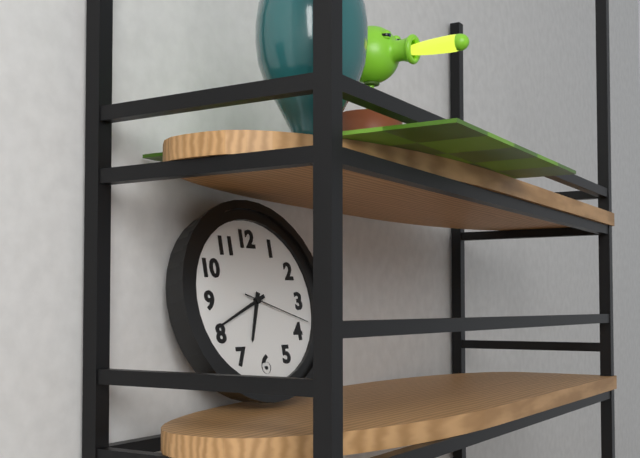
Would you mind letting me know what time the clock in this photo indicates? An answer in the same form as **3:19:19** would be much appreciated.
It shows **6:41:18**
